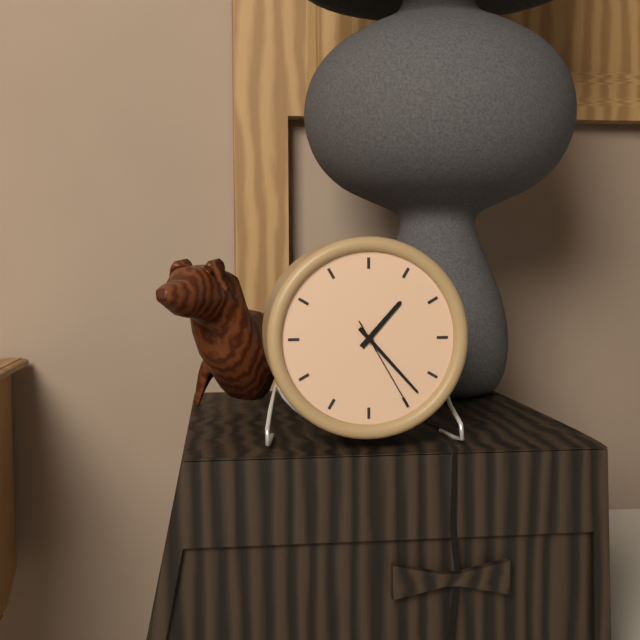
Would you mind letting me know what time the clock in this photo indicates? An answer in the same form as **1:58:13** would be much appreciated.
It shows **1:23:25**
